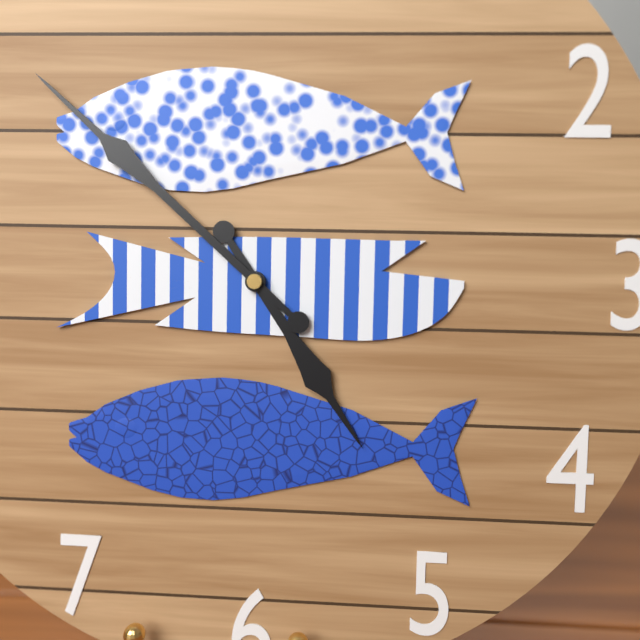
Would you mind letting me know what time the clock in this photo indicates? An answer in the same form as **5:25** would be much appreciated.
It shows **4:52**
